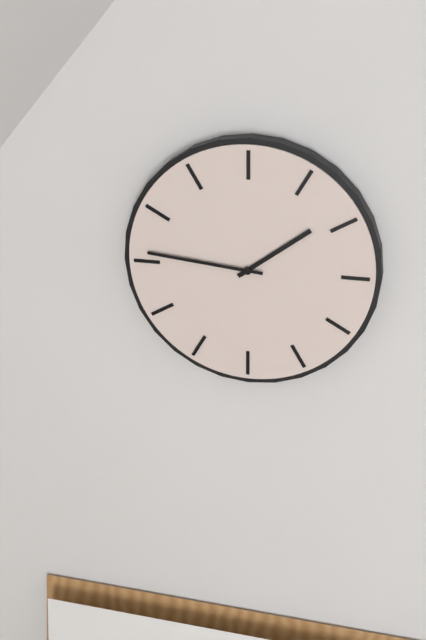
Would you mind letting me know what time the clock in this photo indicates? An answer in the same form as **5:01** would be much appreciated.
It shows **1:46**
